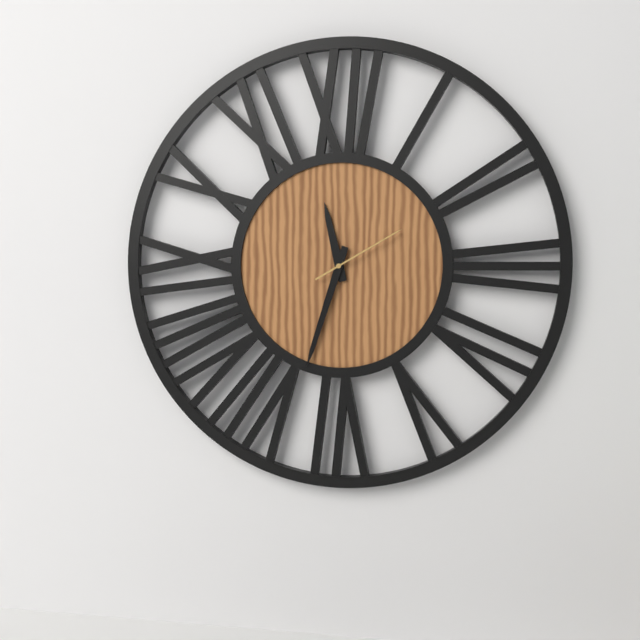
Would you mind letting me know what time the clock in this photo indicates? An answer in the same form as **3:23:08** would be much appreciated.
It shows **11:33:10**
